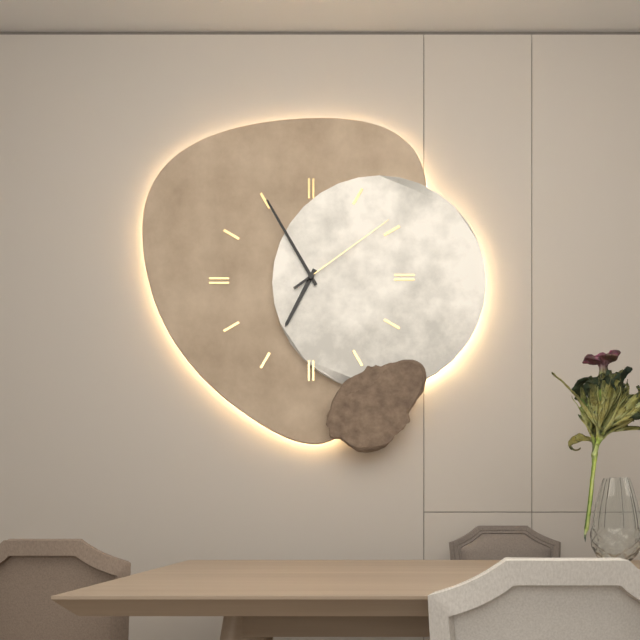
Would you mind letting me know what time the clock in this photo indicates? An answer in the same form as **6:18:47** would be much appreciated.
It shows **6:55:09**
